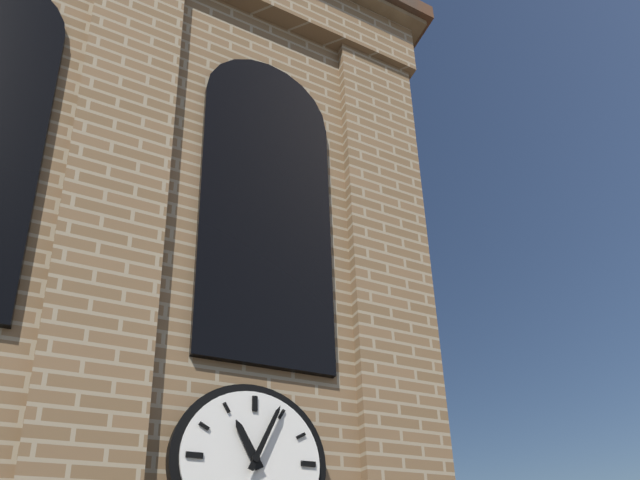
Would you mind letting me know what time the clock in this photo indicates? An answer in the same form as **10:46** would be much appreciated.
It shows **11:04**
